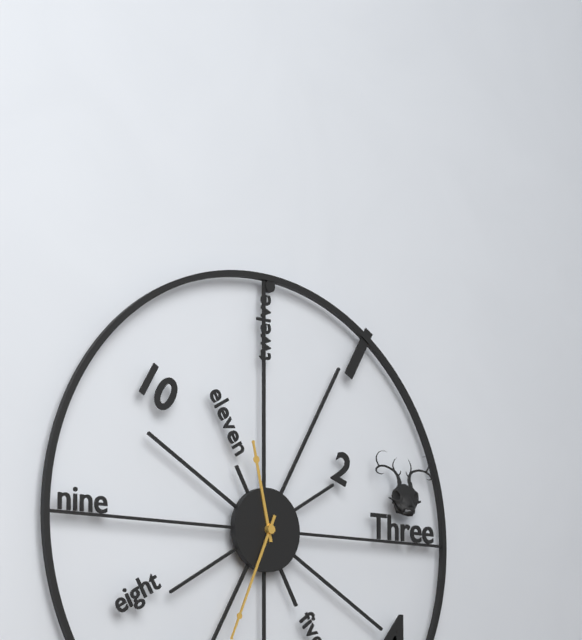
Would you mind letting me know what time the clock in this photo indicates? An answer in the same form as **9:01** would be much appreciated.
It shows **11:34**
